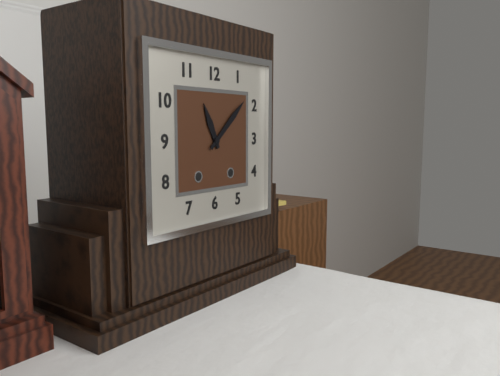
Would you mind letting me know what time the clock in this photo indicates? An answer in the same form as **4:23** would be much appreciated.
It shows **11:08**
